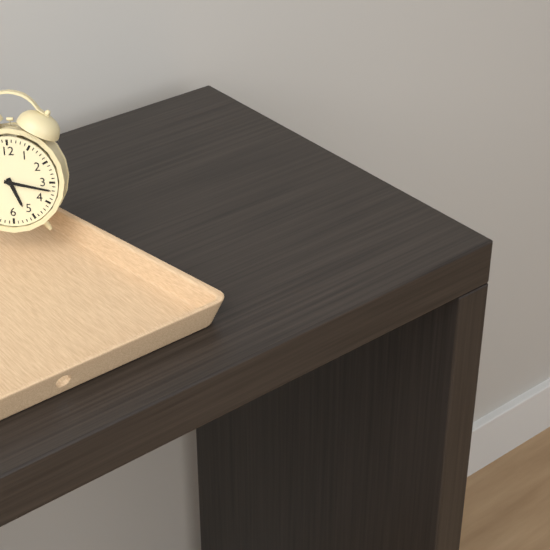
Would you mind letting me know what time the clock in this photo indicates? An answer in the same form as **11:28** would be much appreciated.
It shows **5:17**
